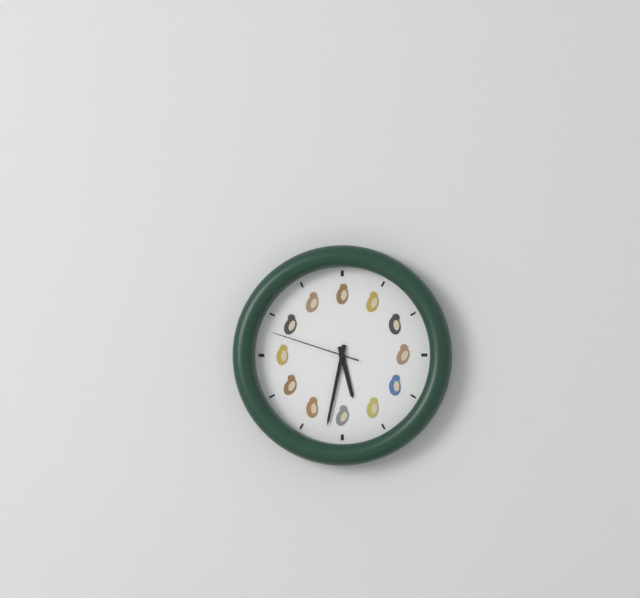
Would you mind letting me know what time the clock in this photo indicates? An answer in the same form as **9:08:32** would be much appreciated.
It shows **5:32:48**
